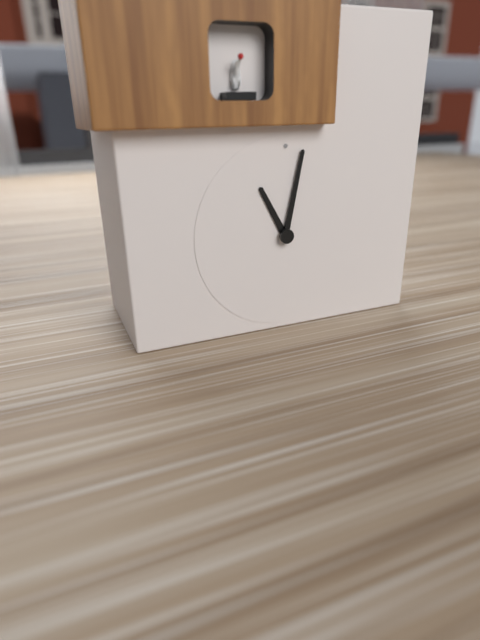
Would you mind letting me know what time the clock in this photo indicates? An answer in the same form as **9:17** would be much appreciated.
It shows **11:02**
